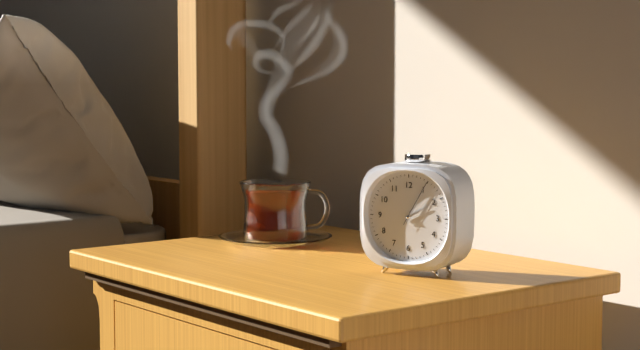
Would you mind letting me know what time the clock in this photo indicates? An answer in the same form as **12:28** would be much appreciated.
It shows **2:05**
